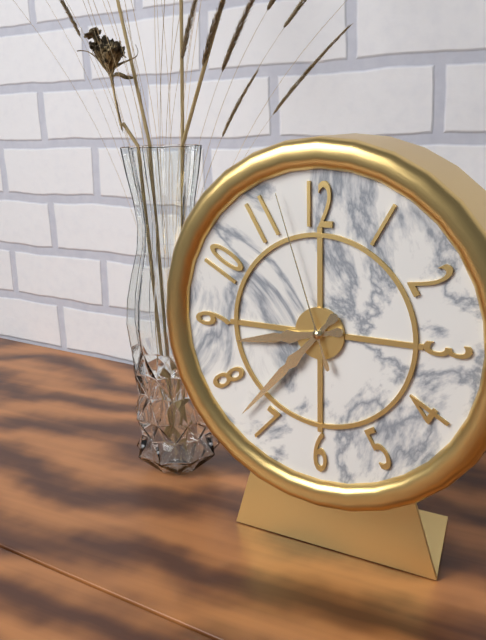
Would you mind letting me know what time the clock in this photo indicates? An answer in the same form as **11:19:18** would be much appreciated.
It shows **8:37:57**
